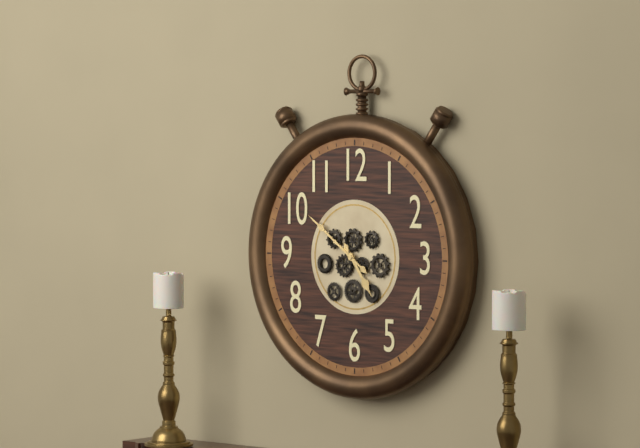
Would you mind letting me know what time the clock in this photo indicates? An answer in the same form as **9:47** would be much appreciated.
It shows **4:51**
